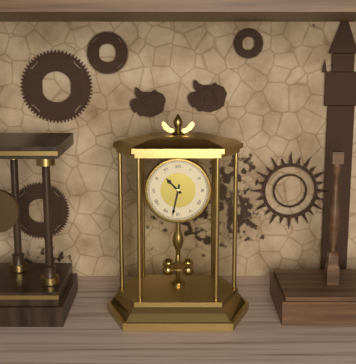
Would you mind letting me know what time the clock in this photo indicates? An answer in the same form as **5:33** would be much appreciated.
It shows **10:32**
